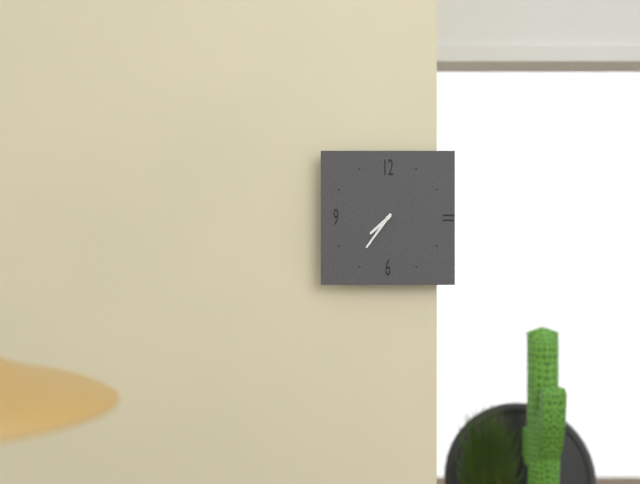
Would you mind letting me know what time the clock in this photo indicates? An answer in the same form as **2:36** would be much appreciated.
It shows **7:36**
